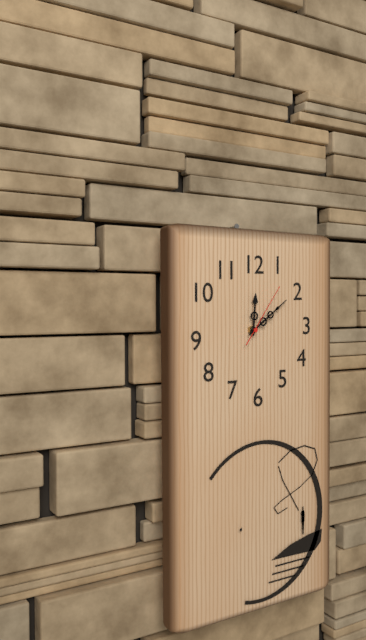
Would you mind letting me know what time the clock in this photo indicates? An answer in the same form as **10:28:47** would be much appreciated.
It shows **12:09:06**
